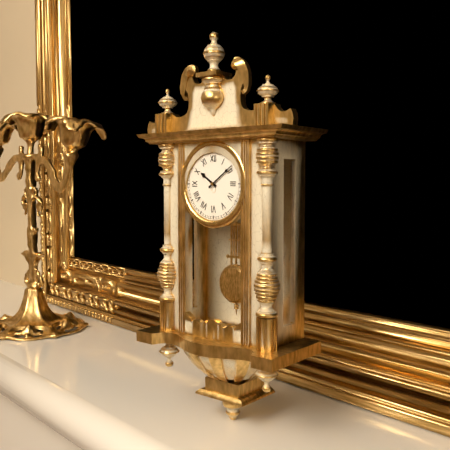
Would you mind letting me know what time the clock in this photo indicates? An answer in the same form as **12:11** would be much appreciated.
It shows **10:09**
